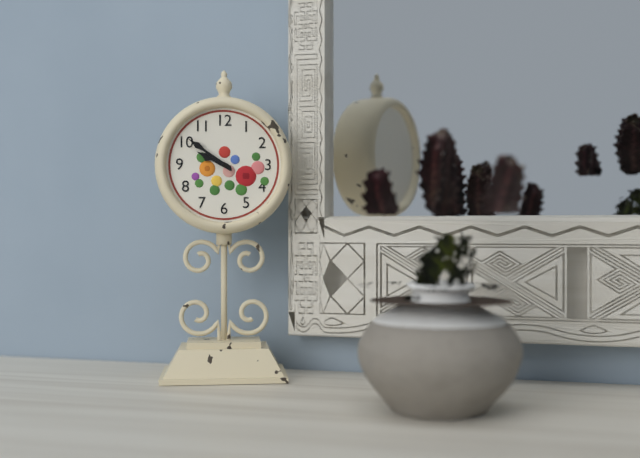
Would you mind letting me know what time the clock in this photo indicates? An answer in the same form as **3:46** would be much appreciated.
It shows **9:51**
